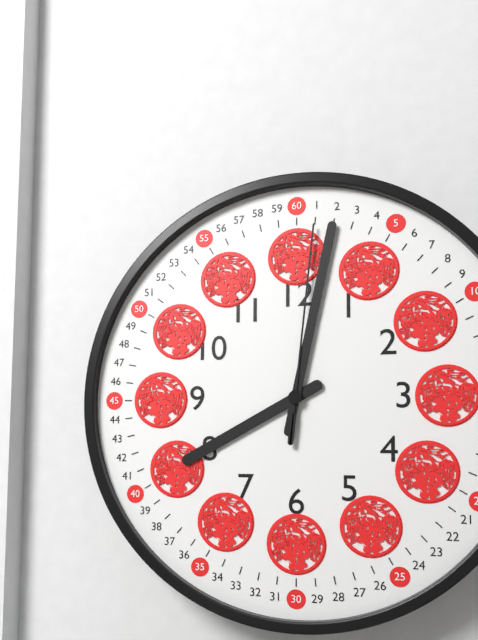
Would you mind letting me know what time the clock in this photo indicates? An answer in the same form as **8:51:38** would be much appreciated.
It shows **8:02:01**
